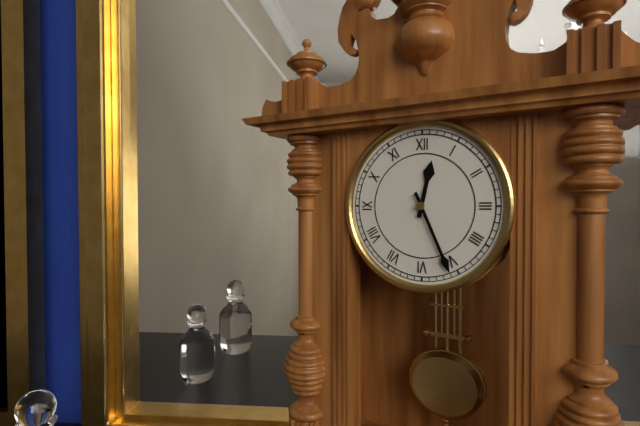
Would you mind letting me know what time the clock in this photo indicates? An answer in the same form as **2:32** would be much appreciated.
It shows **12:26**
